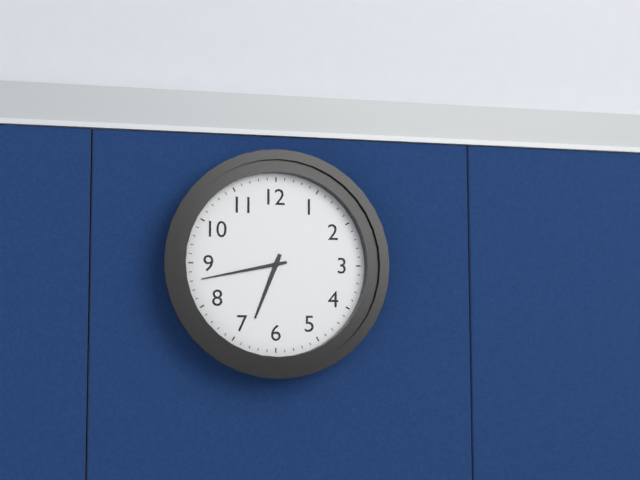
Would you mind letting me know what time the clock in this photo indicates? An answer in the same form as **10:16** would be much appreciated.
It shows **6:43**
